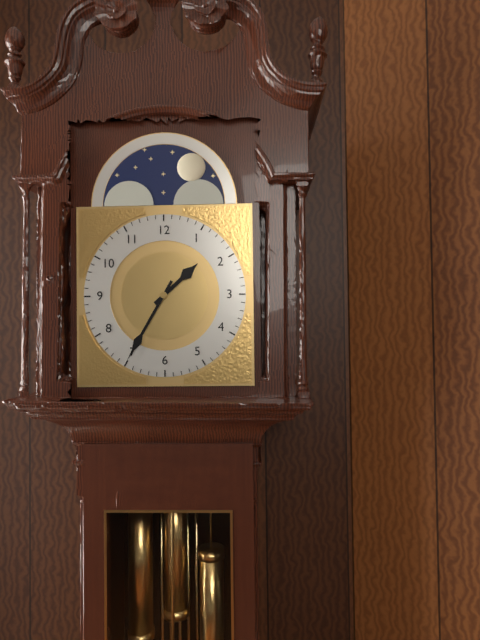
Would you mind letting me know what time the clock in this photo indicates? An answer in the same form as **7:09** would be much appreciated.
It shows **1:35**
